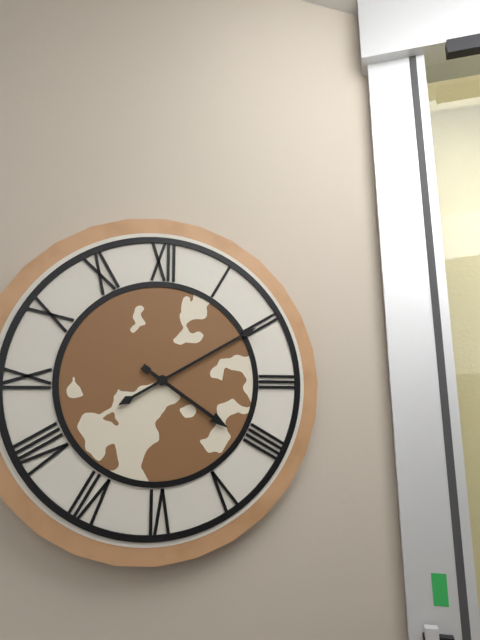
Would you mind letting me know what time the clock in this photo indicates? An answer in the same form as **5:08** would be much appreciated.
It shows **4:10**
